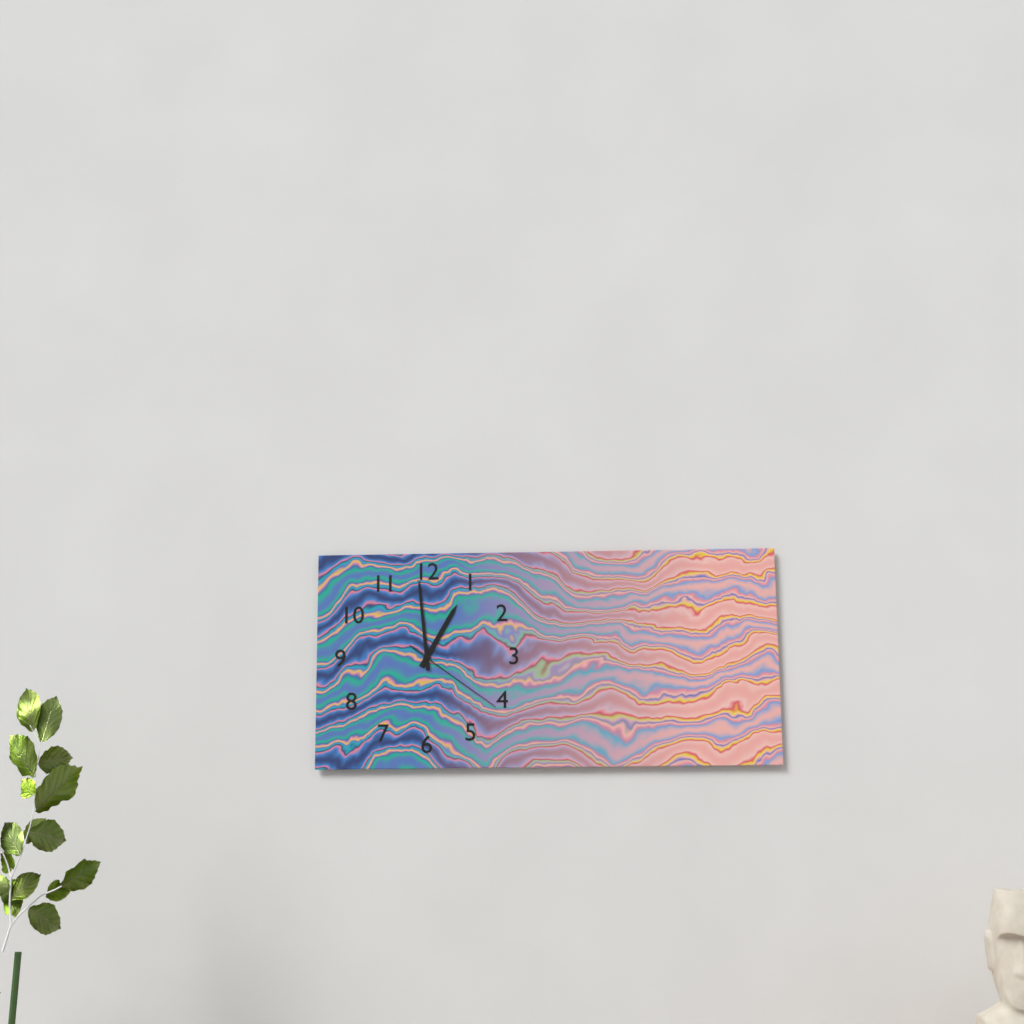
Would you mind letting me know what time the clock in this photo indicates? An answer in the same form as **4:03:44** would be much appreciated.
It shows **12:59:21**
